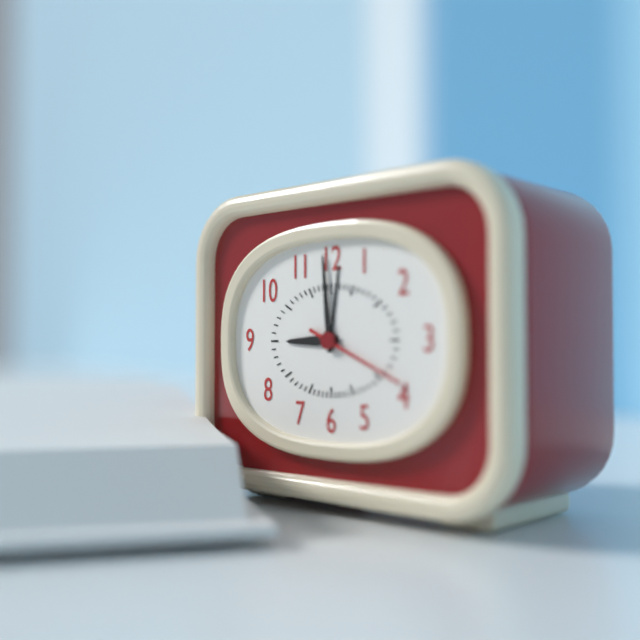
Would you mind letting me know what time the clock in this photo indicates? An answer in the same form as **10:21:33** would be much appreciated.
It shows **8:59:19**
